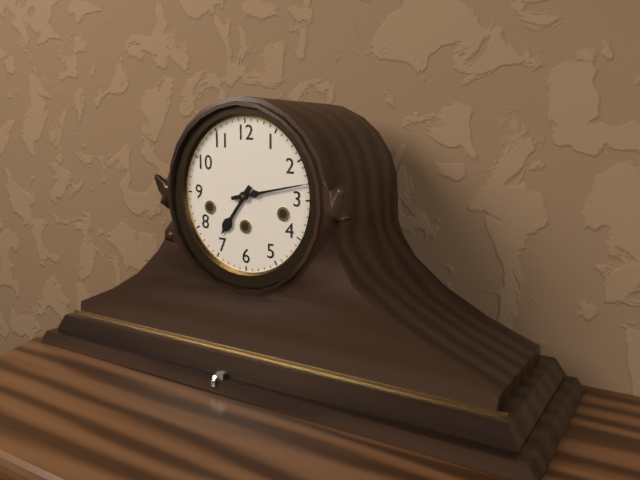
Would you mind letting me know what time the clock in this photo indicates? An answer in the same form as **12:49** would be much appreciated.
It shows **7:13**
